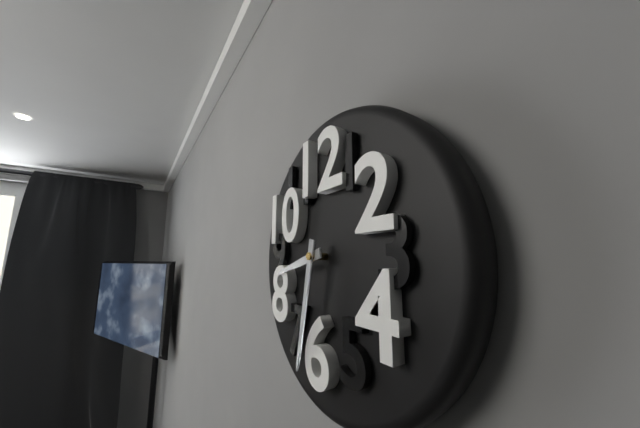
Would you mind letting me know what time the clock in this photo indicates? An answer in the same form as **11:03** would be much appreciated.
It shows **8:32**
